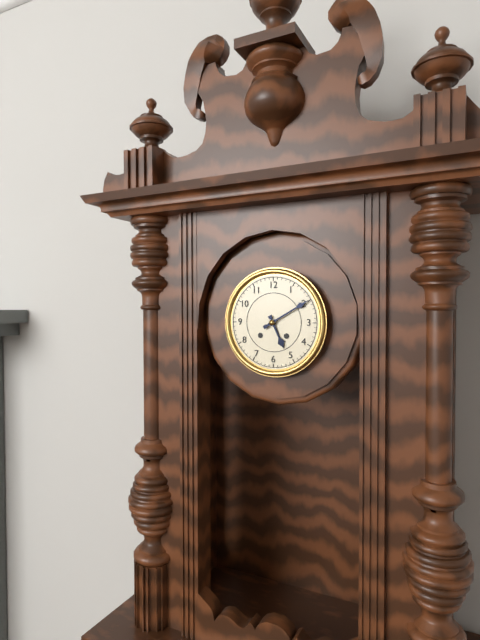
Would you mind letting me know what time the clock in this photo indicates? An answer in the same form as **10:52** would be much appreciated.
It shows **5:10**
